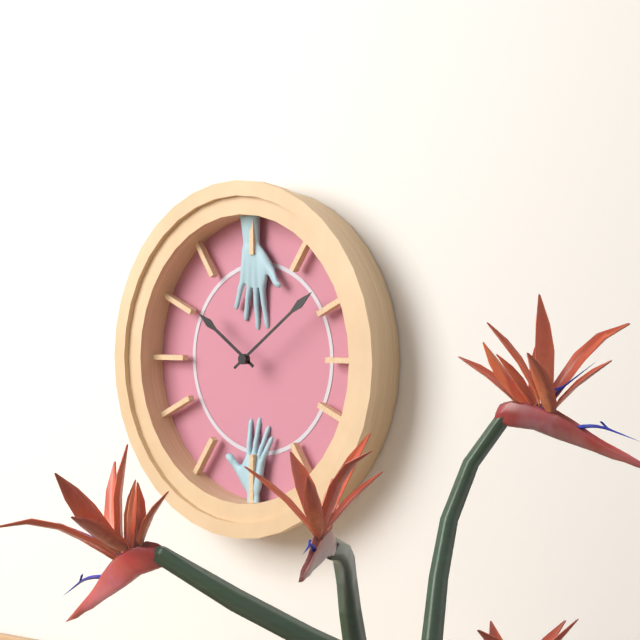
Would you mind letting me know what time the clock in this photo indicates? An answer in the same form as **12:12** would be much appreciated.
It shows **10:09**
